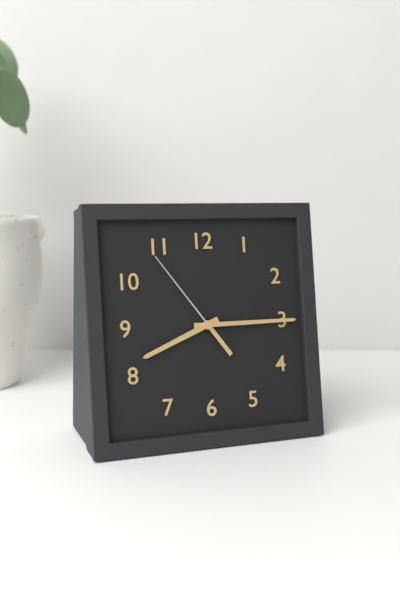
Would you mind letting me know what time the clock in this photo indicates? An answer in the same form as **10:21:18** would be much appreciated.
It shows **8:15:54**
